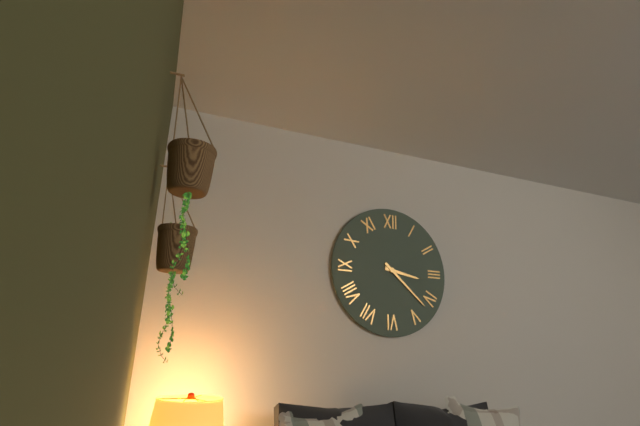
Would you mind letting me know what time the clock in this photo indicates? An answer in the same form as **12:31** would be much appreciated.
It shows **3:22**
